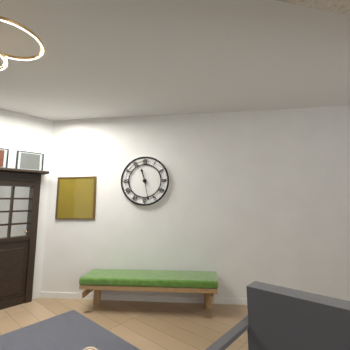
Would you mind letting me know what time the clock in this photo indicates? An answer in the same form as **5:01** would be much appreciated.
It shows **11:28**
